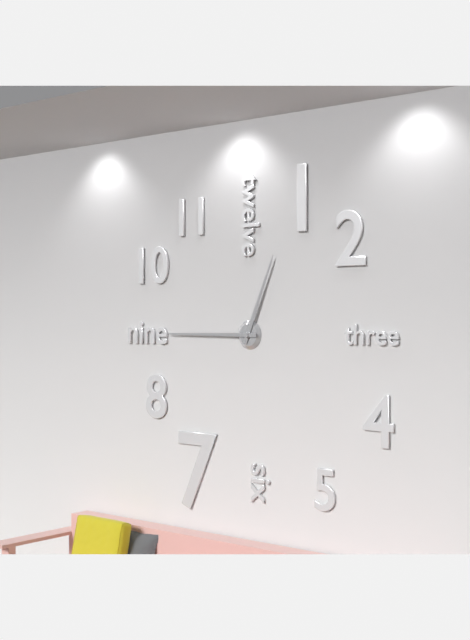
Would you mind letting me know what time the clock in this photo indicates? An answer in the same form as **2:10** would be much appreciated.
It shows **12:45**
